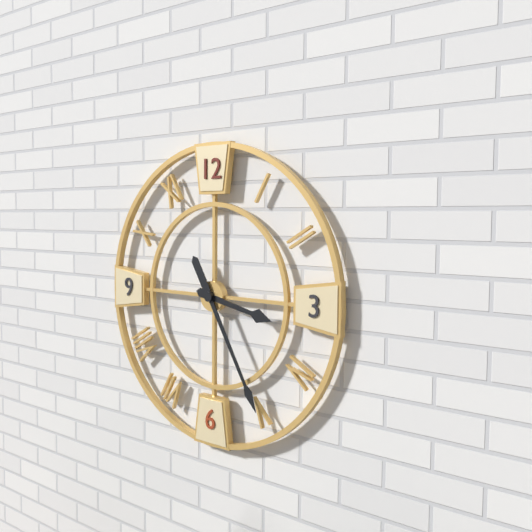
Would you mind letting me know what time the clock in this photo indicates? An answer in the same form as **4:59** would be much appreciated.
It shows **3:25**
